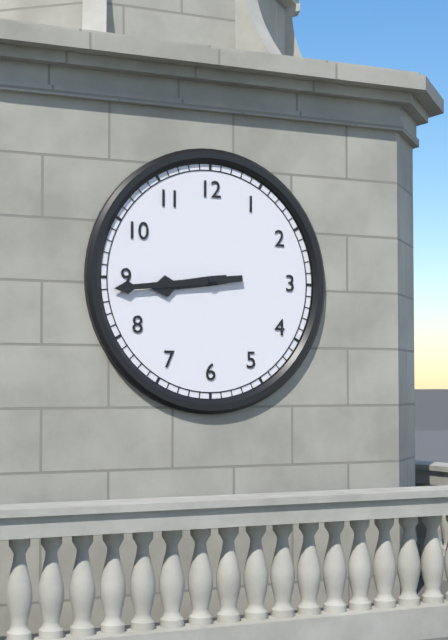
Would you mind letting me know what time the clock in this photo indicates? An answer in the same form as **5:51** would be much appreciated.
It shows **8:44**
